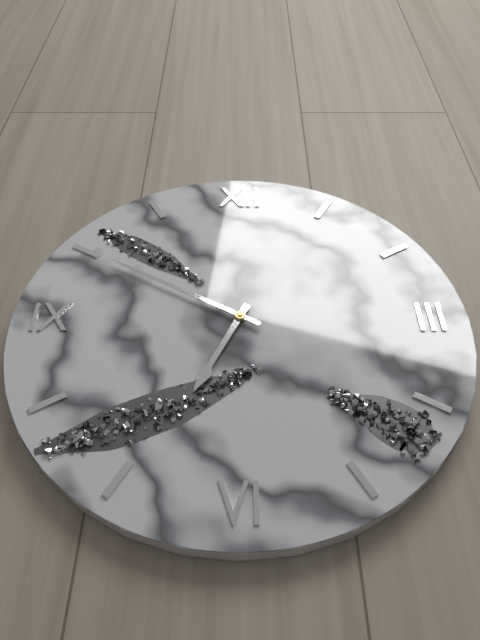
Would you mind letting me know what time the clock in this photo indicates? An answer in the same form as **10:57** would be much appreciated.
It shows **6:50**
